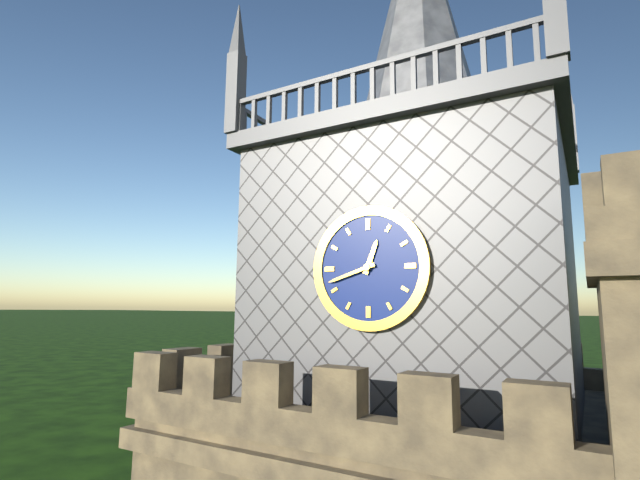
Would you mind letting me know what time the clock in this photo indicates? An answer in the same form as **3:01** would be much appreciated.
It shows **12:42**
